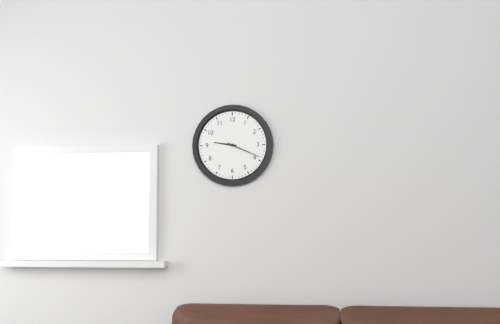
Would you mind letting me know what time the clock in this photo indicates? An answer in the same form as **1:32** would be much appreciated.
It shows **9:19**
